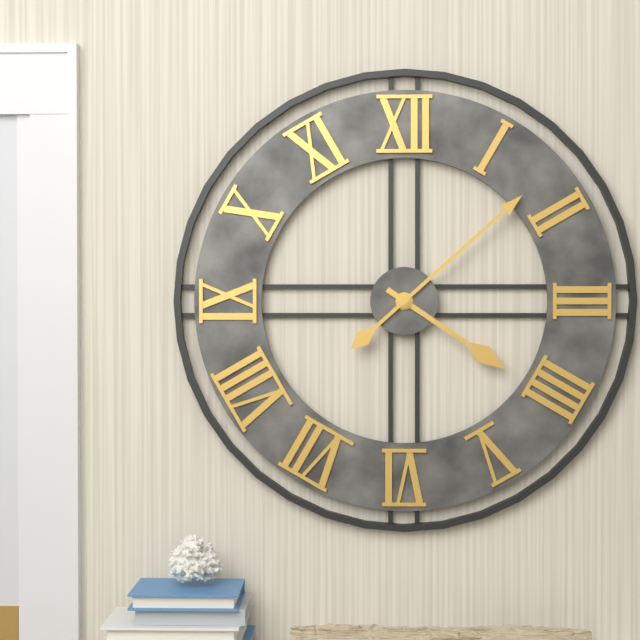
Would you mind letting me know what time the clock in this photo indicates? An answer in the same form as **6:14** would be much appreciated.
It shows **4:08**
